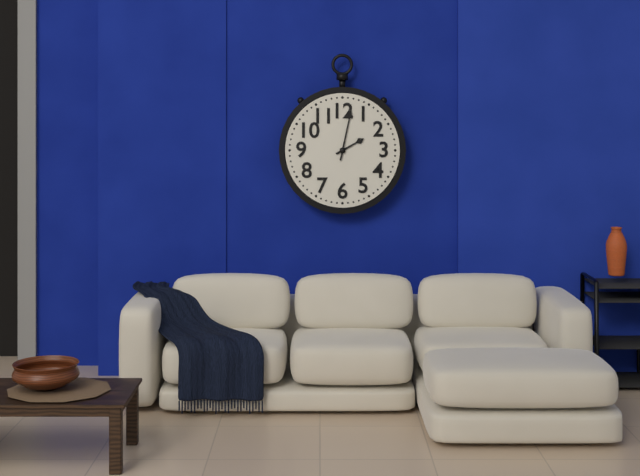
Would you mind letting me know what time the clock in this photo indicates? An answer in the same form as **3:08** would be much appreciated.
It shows **2:02**
